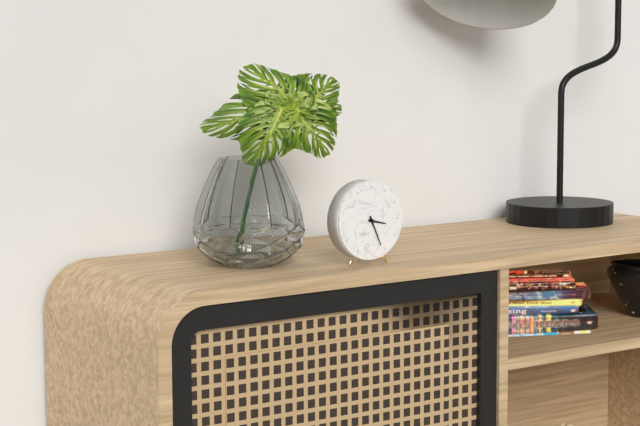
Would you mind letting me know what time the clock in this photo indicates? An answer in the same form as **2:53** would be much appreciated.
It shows **3:26**
